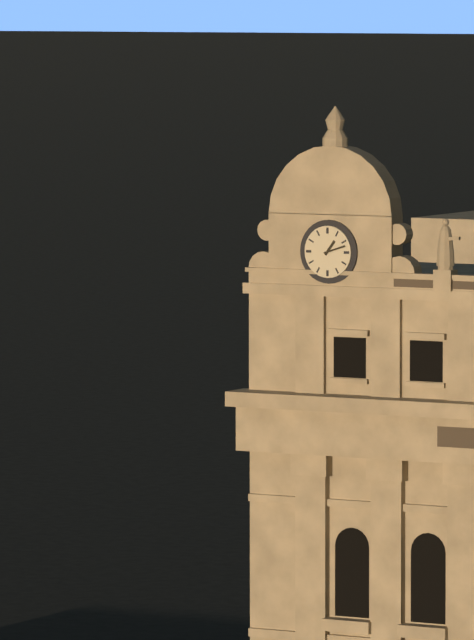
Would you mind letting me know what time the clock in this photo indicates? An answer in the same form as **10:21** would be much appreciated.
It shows **1:12**
